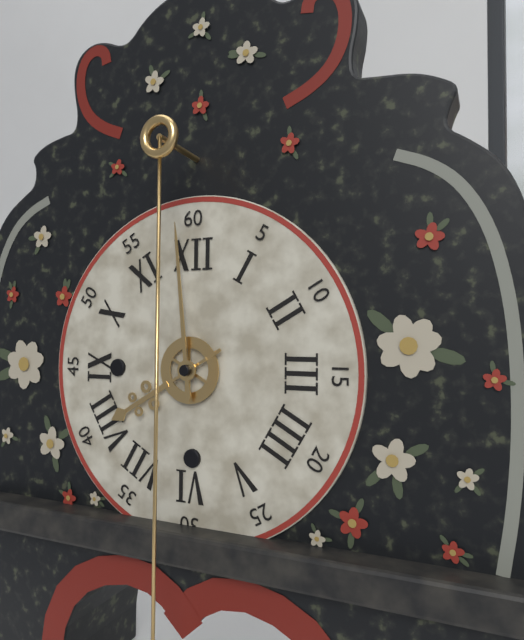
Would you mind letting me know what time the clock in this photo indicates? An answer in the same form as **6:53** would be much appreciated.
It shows **7:59**
